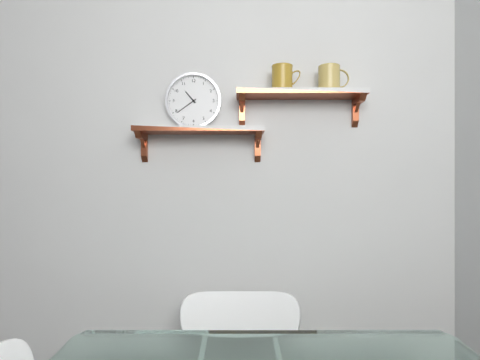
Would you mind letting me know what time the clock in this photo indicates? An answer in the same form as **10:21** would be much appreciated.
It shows **10:39**
